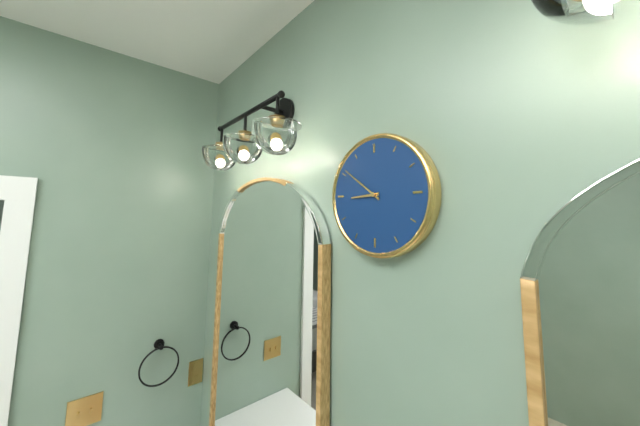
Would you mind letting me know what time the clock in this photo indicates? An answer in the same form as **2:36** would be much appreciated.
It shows **8:51**
